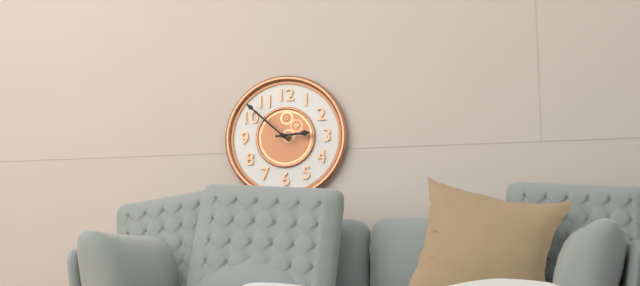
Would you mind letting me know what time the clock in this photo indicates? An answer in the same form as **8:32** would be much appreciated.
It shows **2:52**
